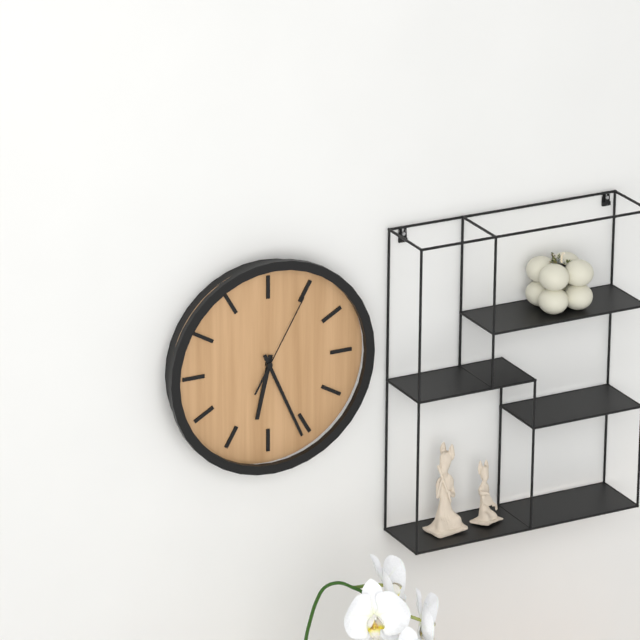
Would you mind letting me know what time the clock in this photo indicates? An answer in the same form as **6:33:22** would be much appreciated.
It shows **6:26:05**
